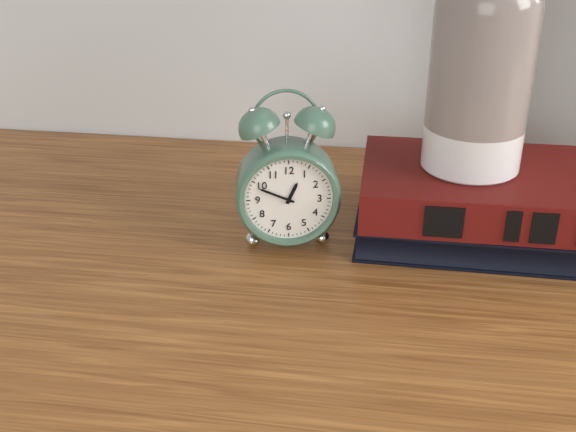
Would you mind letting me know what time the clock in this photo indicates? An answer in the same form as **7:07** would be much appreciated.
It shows **12:49**
